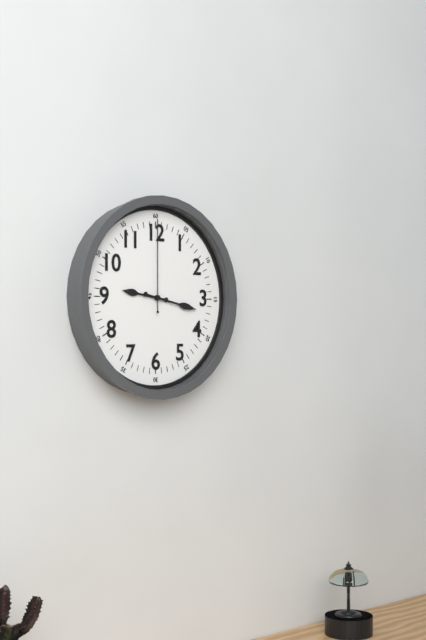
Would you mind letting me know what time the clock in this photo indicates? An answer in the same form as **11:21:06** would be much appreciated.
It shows **9:17:00**
